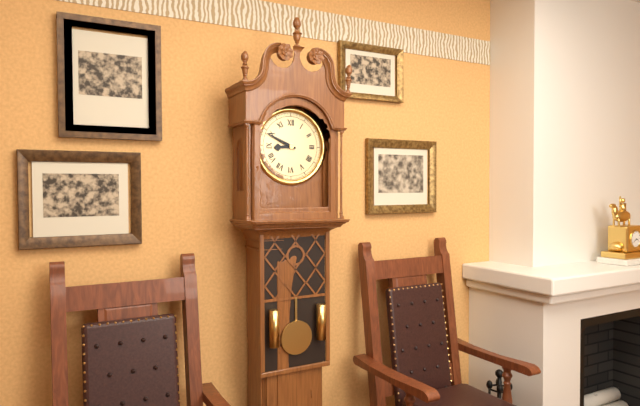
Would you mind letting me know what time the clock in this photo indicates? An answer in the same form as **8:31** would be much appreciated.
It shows **8:49**
